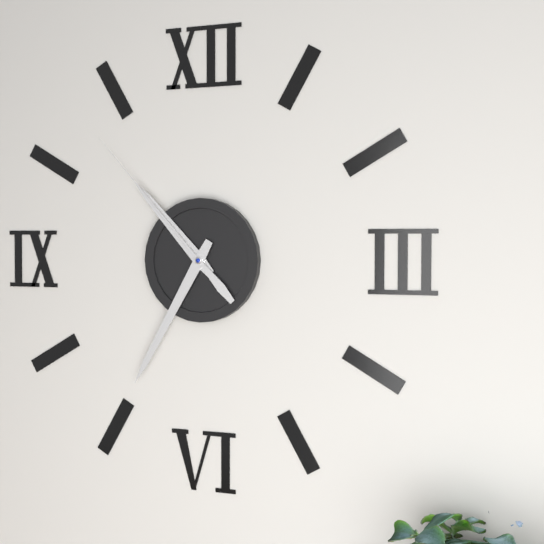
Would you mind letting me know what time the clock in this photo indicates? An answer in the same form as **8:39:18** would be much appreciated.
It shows **10:35:53**
